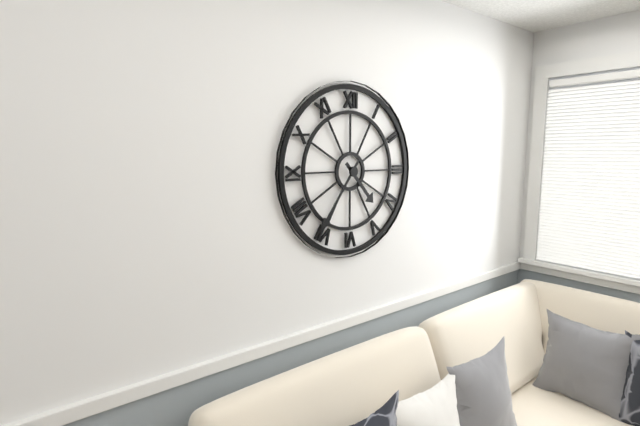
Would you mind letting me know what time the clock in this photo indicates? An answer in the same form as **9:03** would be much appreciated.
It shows **4:36**
